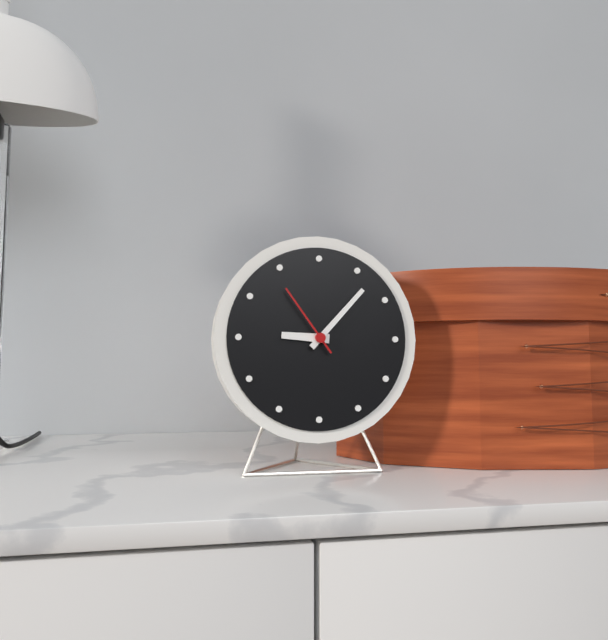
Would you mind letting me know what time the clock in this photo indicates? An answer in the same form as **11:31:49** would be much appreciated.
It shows **9:07:54**
